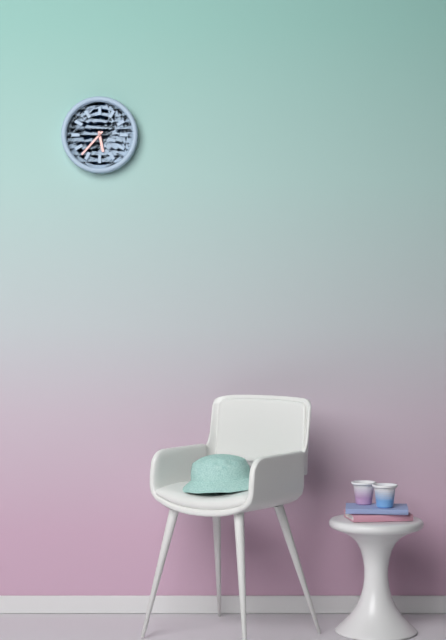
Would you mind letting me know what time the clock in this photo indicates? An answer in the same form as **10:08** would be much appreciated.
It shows **5:37**
